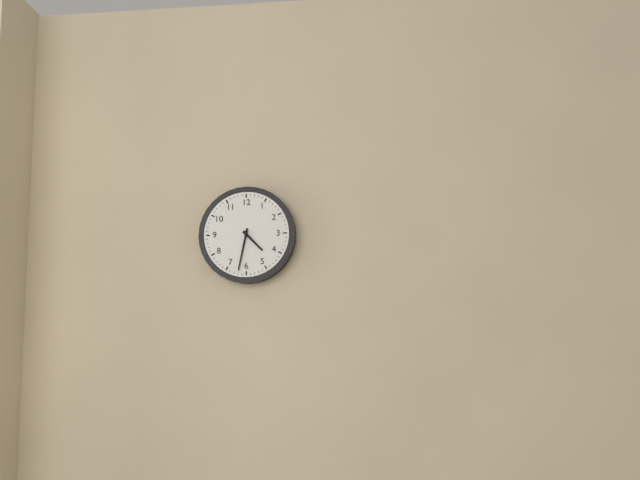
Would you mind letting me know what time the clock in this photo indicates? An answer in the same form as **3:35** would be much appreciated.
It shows **4:32**
